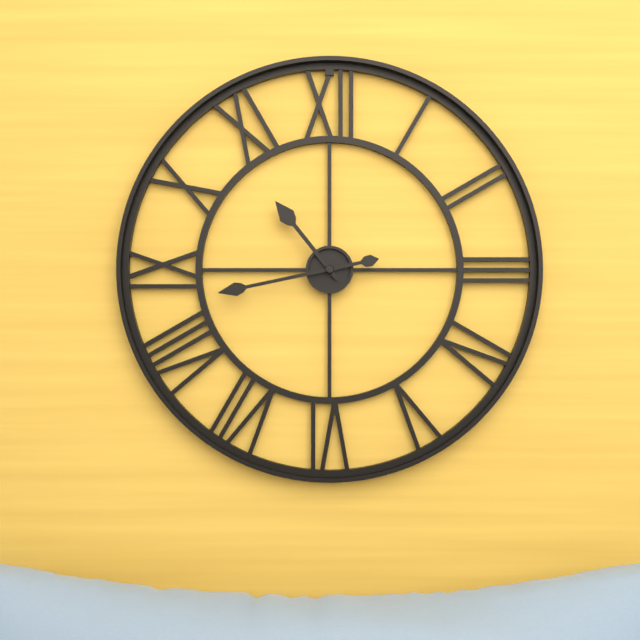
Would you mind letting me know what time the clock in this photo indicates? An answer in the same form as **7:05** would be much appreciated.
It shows **10:43**
